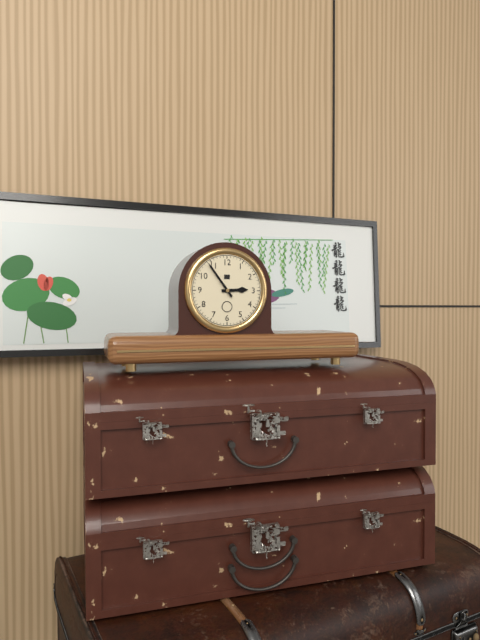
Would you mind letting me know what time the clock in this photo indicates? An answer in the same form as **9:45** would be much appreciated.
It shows **2:54**
